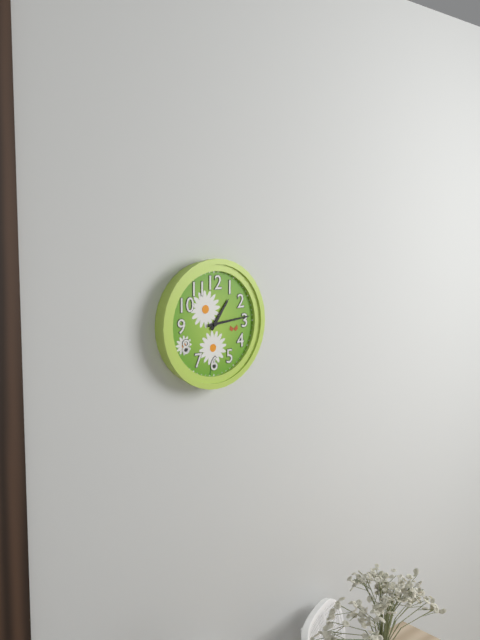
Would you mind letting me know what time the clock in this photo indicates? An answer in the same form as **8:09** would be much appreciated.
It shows **1:14**
